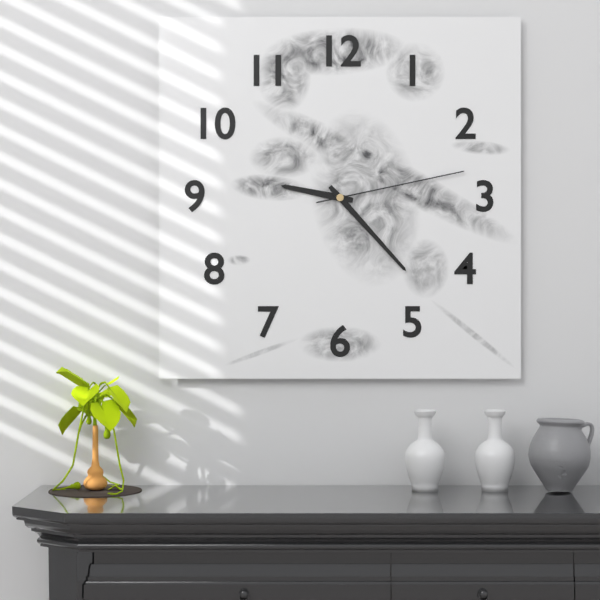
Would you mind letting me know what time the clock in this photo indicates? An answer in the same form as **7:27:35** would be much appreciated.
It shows **9:23:13**
